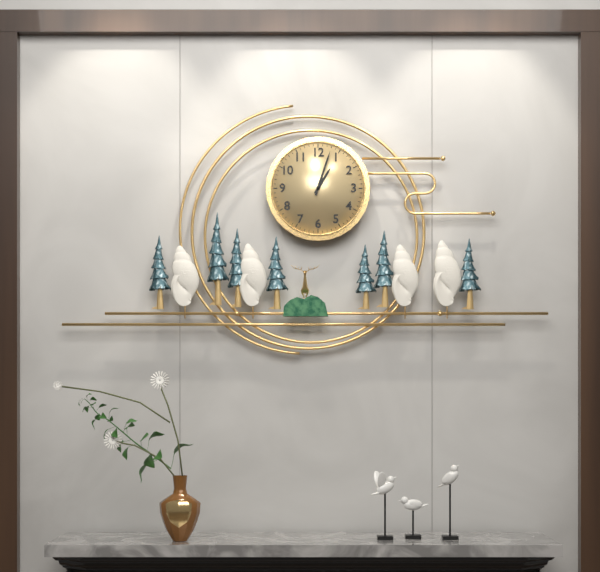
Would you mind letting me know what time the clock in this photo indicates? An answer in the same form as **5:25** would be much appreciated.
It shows **1:03**
